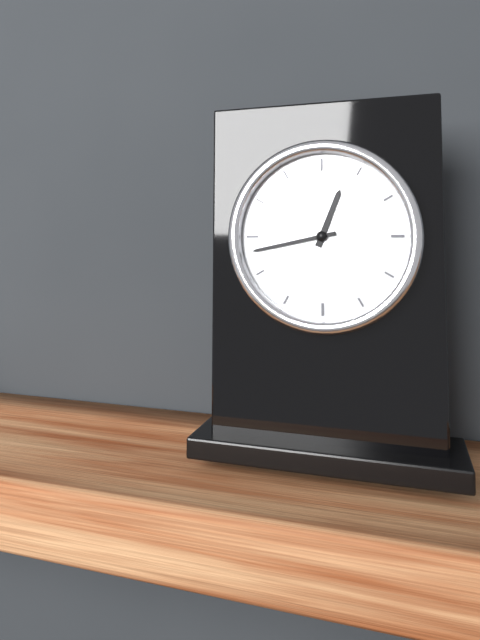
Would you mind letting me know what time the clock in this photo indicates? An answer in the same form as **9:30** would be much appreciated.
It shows **12:43**
